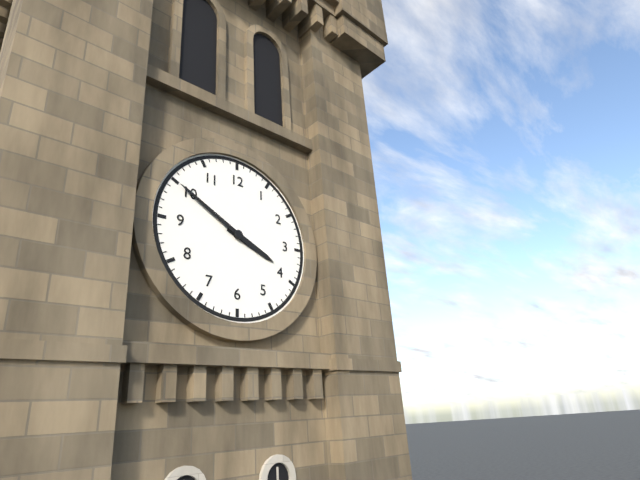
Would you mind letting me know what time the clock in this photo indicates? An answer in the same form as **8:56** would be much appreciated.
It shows **3:50**
